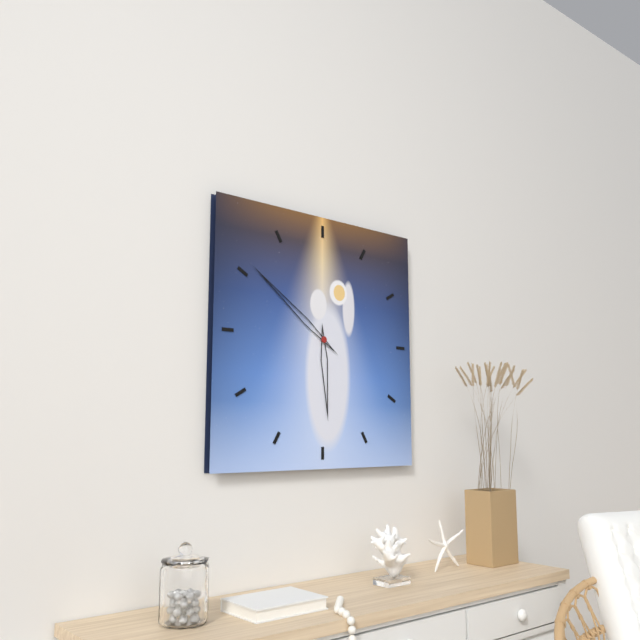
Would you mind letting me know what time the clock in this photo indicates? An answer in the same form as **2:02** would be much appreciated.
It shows **5:51**
